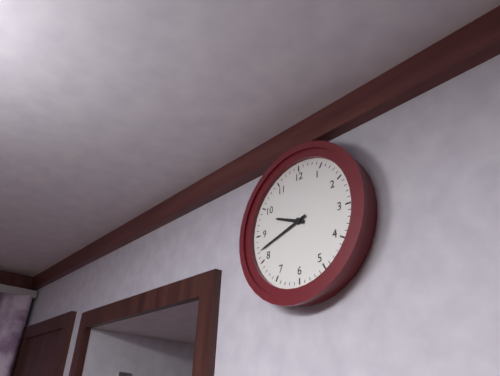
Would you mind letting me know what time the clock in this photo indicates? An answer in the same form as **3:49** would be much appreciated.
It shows **9:42**
